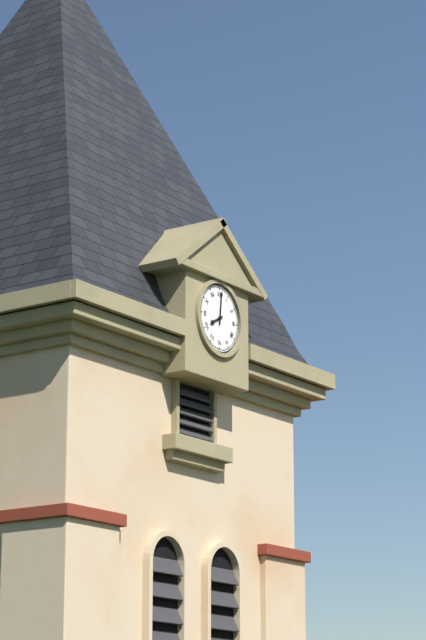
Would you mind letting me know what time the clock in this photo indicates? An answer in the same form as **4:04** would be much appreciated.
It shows **8:01**
